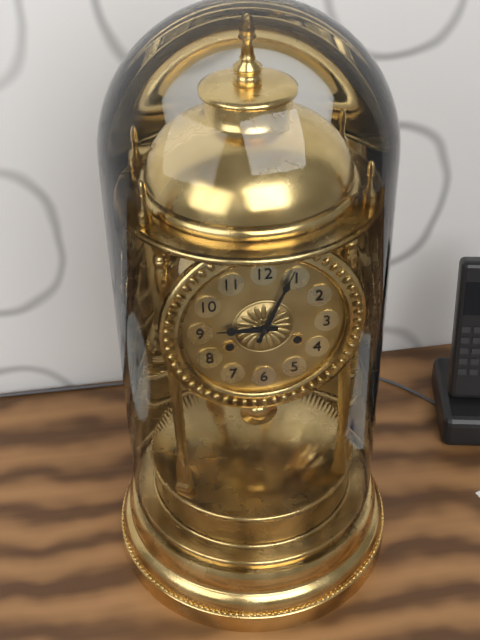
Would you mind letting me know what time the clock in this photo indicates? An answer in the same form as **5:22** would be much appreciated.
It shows **9:04**
